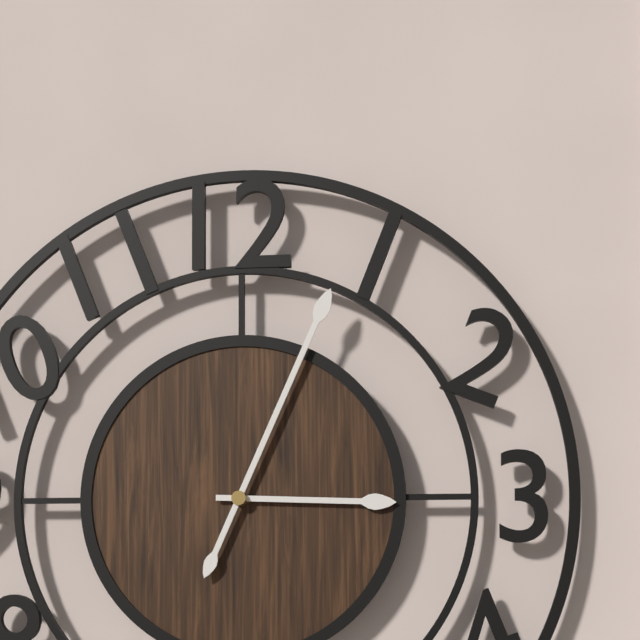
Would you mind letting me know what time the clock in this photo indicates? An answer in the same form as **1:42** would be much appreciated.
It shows **3:04**
